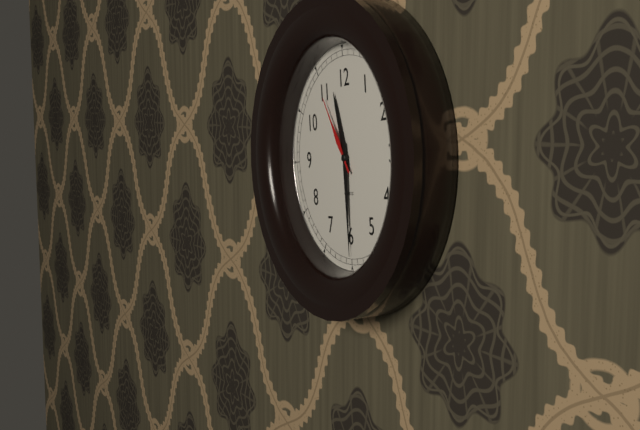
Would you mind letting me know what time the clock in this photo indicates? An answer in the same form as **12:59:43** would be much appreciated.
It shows **11:30:55**
